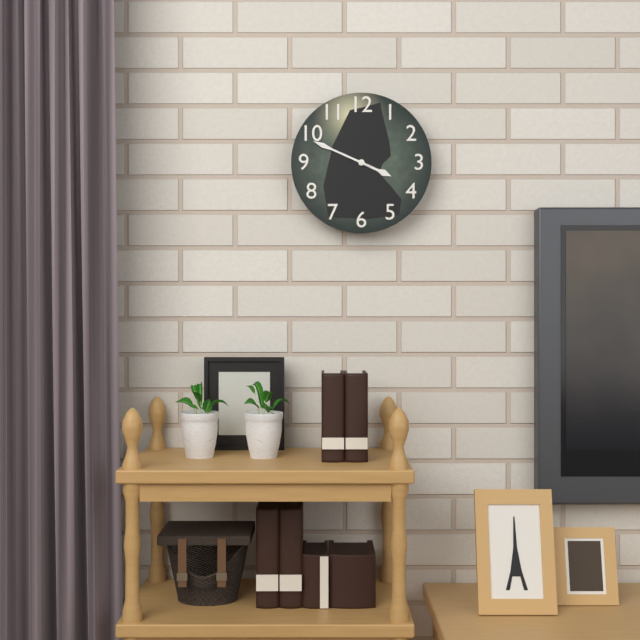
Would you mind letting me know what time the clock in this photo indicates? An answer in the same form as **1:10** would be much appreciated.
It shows **3:49**
